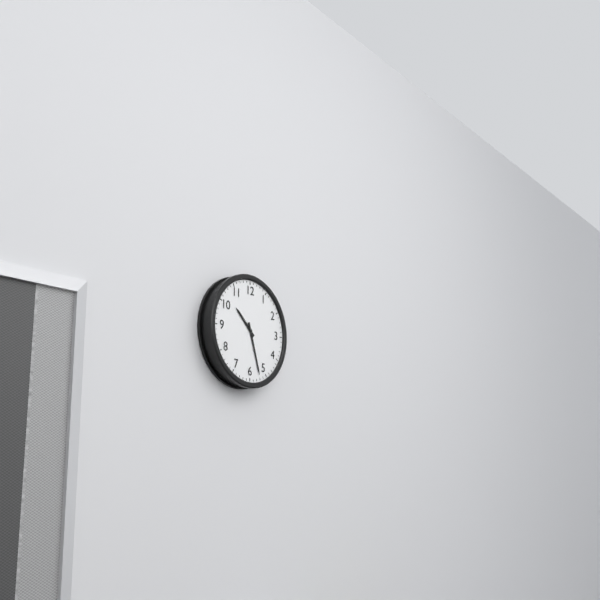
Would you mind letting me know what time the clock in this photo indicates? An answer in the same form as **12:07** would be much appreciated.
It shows **10:27**
